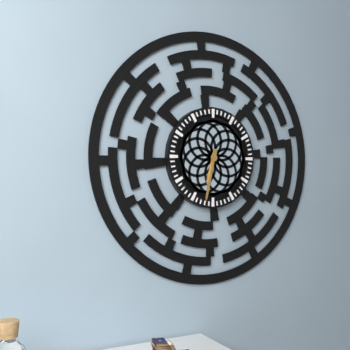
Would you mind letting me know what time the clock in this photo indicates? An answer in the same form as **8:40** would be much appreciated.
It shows **6:32**
